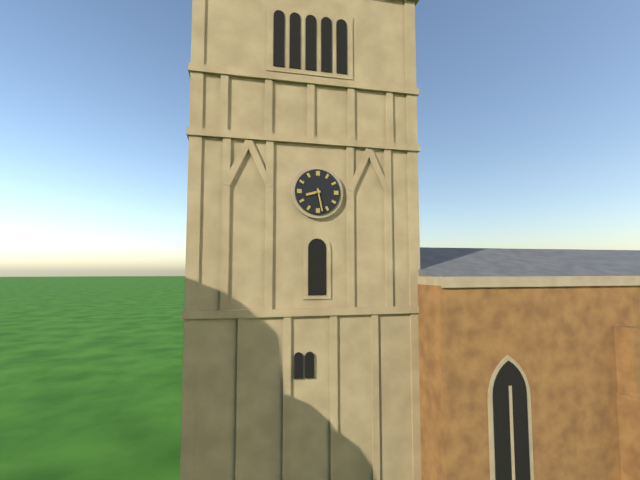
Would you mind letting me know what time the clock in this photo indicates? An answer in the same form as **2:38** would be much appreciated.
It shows **8:28**
